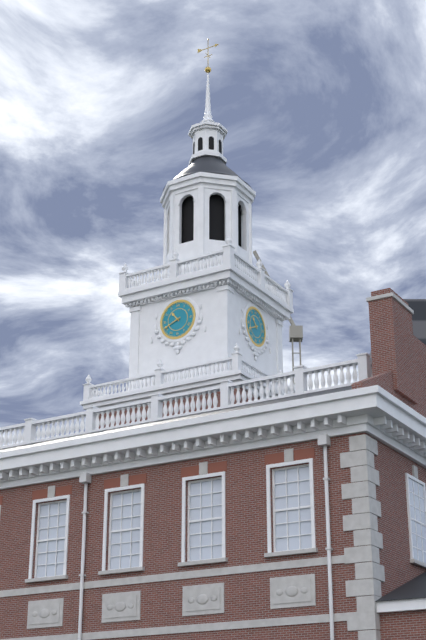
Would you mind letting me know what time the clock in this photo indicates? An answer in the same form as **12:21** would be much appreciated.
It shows **10:41**
